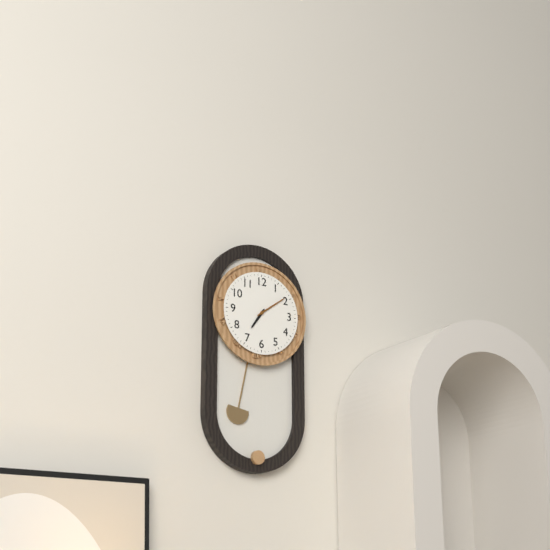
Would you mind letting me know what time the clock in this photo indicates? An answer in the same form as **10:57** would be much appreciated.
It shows **7:09**
